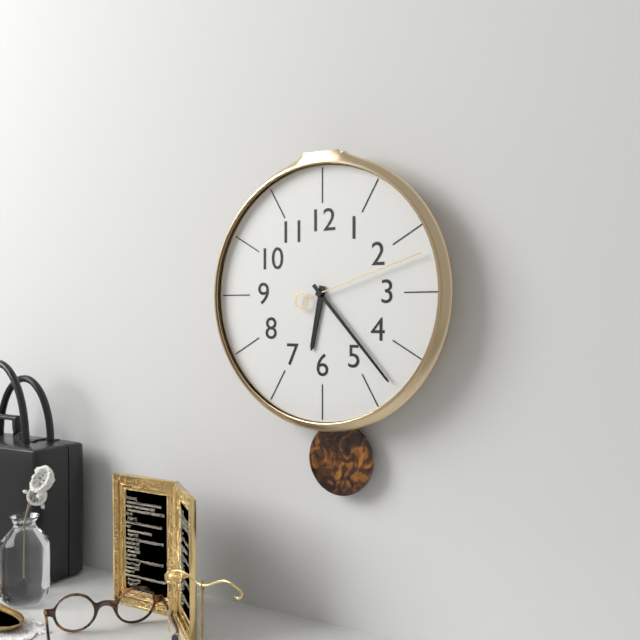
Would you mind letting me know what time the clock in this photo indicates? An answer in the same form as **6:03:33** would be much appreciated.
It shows **6:23:12**
